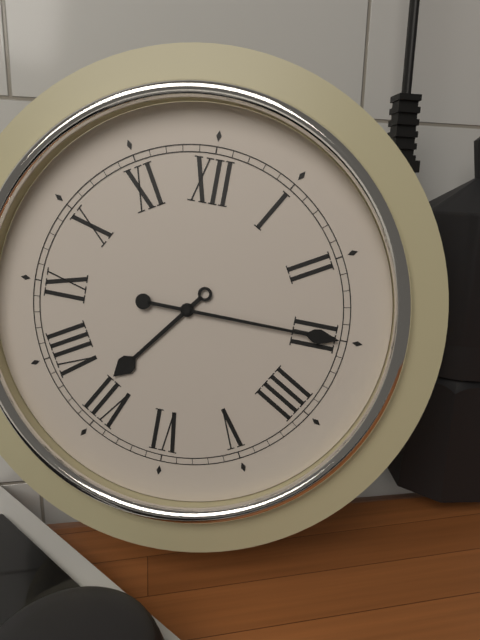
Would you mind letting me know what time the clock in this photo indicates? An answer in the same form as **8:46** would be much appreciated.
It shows **7:15**
